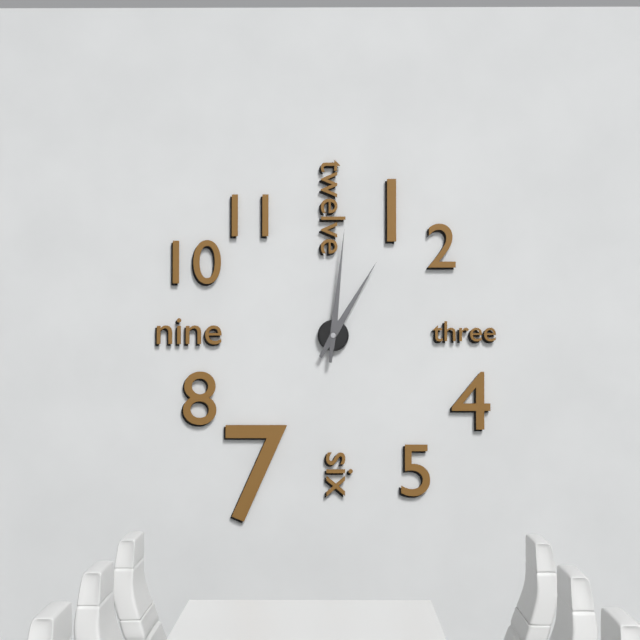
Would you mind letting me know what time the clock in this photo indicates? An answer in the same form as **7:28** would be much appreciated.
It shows **1:01**
